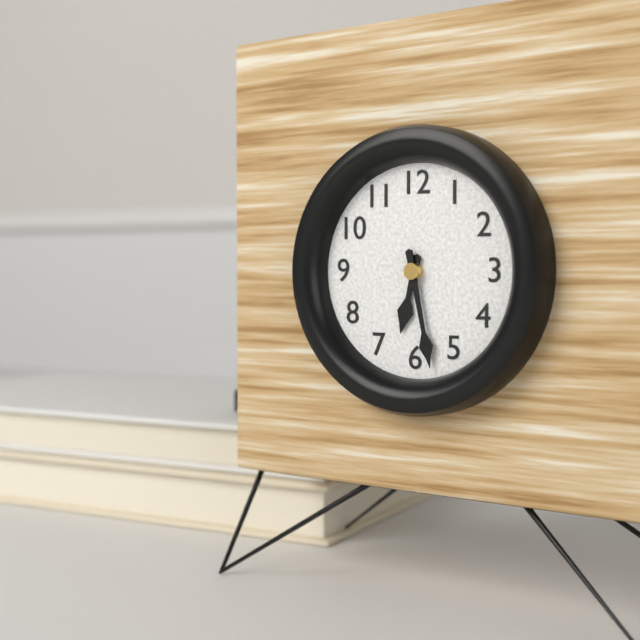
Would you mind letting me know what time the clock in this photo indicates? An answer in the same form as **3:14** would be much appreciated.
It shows **6:28**
